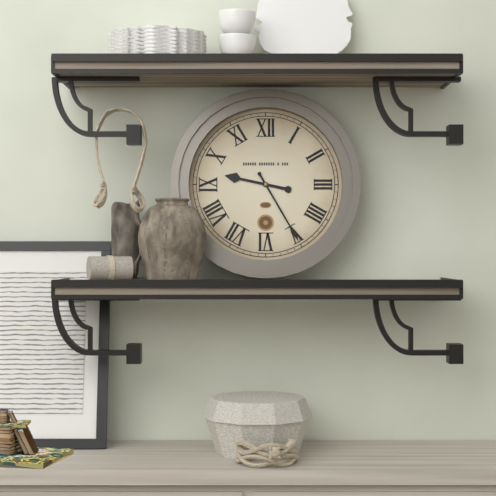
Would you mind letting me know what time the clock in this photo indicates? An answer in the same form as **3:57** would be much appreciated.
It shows **9:25**
